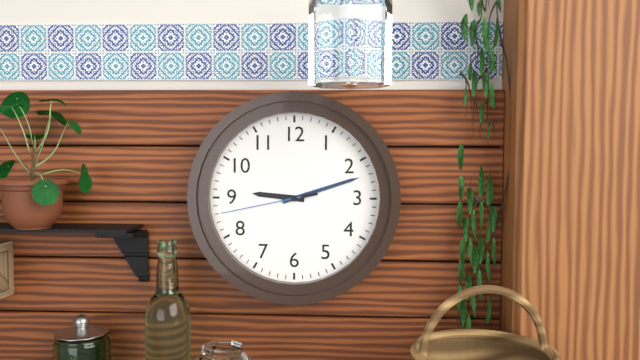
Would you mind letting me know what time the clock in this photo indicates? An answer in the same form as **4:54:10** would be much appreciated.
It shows **9:12:43**
